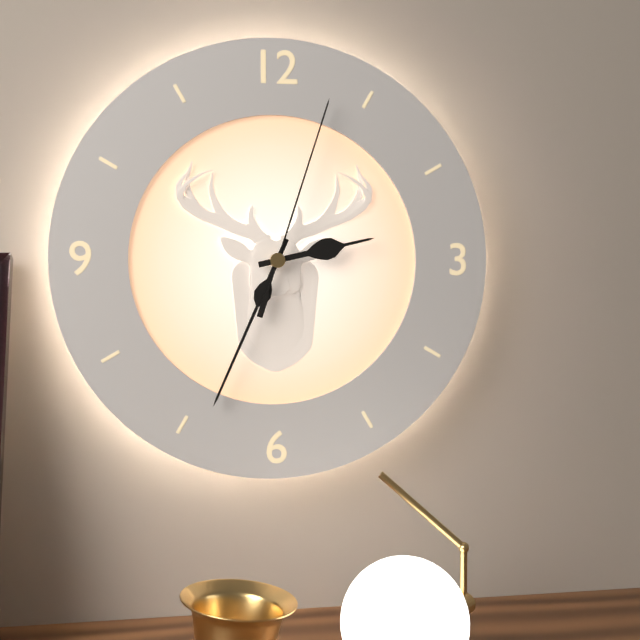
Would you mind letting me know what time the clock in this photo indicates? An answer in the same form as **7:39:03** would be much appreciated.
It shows **2:34:03**
